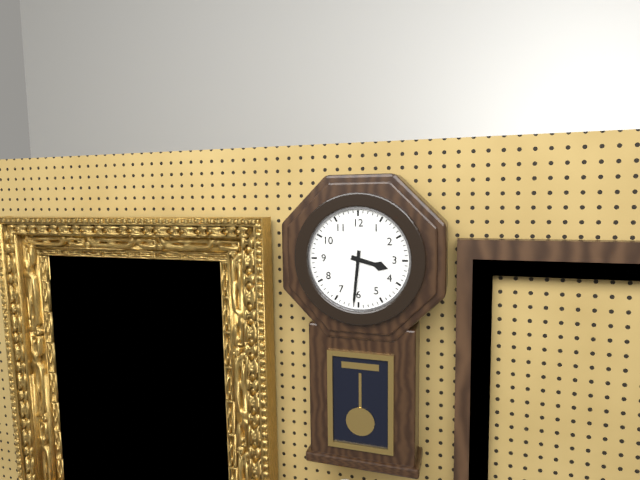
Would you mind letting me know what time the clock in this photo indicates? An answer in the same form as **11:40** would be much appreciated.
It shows **3:31**
